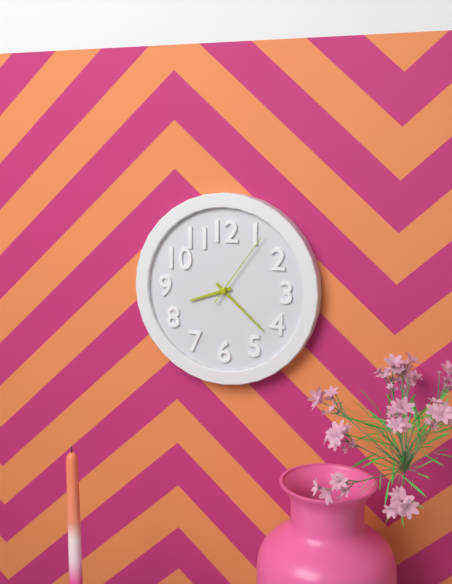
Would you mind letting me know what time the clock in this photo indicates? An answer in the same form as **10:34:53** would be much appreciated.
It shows **8:22:06**
